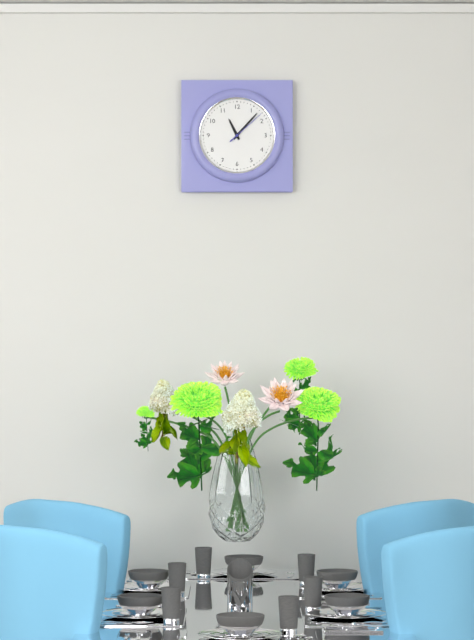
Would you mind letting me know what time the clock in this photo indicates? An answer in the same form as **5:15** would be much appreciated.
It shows **11:07**
